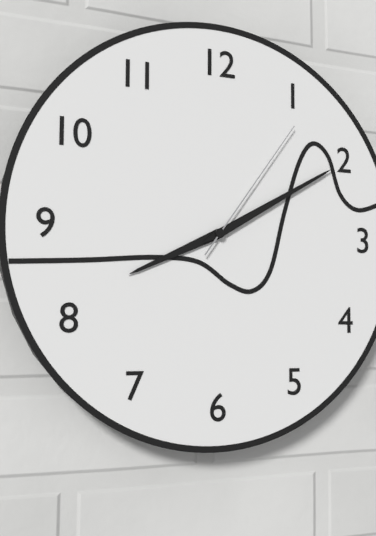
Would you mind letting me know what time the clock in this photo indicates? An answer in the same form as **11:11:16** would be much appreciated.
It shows **8:10:06**
